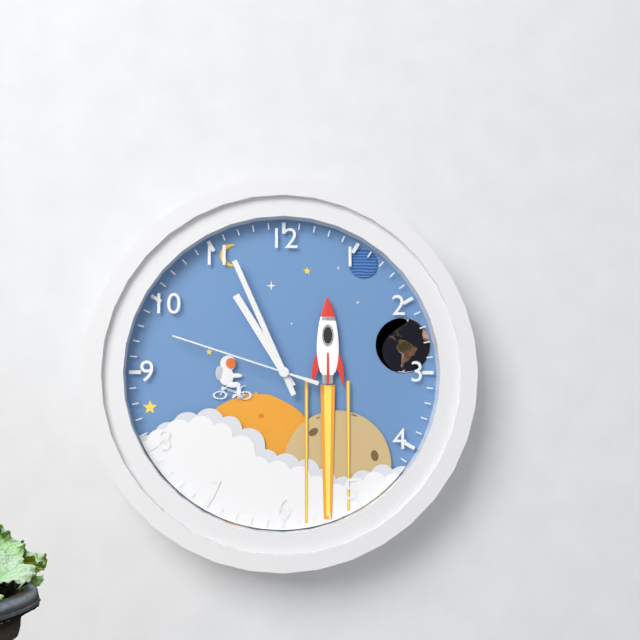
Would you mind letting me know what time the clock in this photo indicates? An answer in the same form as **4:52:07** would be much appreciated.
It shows **10:56:48**
